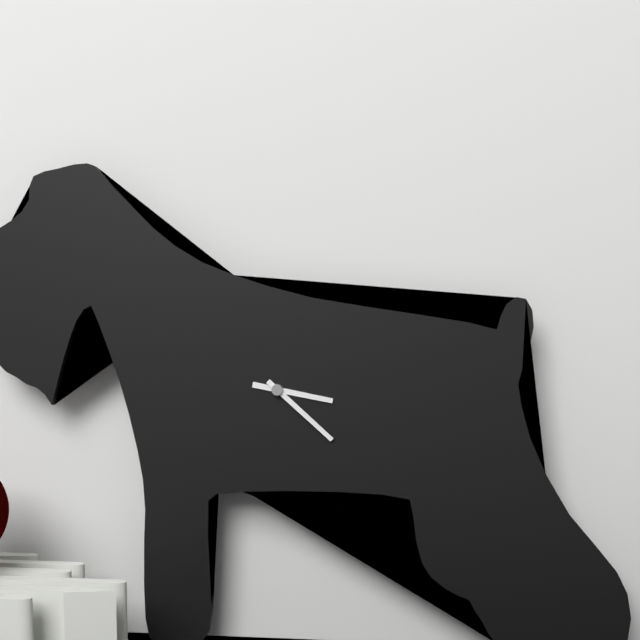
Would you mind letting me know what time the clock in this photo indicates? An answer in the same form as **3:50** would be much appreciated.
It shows **3:22**
